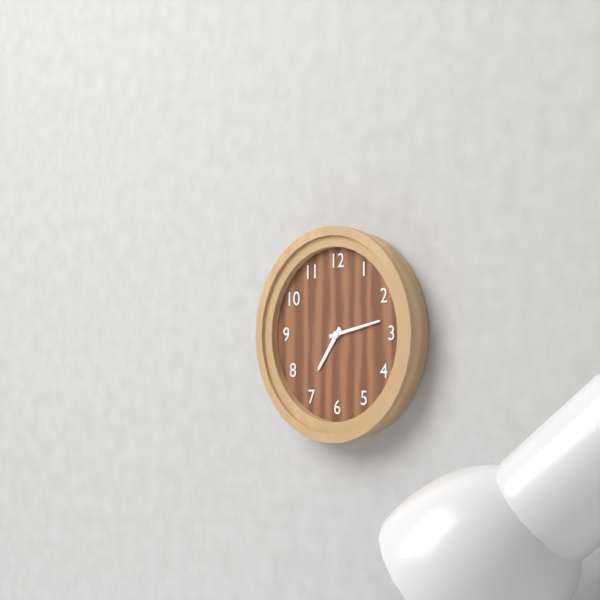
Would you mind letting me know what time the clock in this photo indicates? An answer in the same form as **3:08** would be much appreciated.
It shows **7:13**
